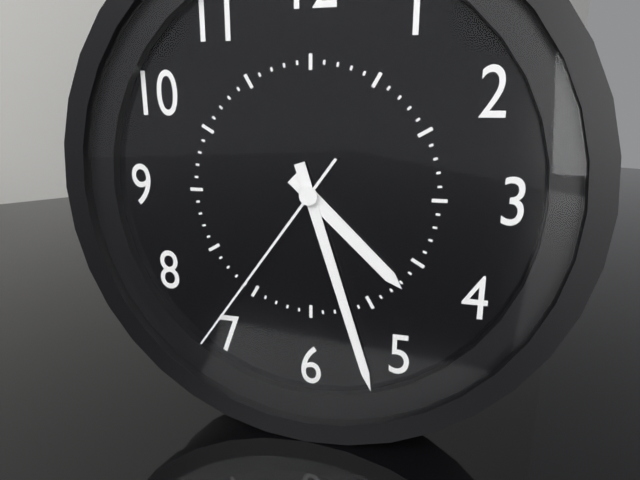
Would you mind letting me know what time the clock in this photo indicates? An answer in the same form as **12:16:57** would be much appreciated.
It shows **4:27:36**
